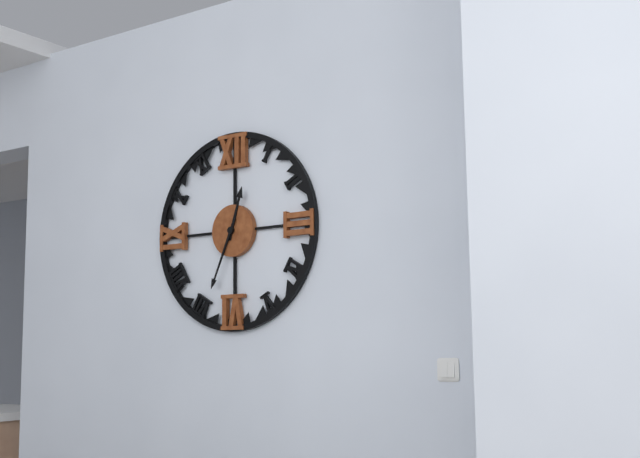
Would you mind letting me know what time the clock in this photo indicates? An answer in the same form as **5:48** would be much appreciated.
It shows **12:34**
